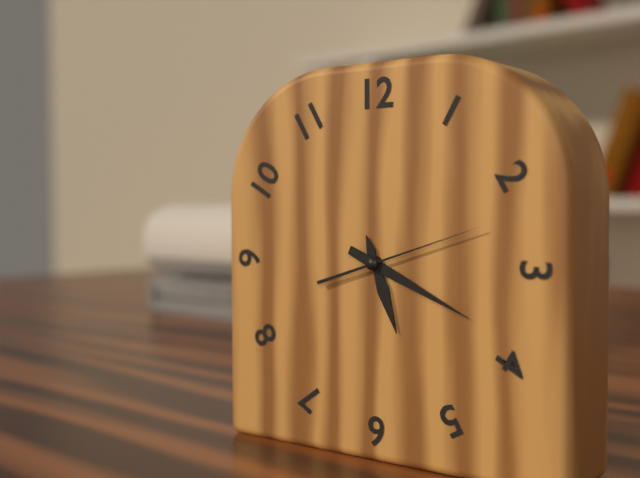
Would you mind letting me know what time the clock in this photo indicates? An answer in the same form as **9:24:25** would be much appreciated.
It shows **5:19:12**
